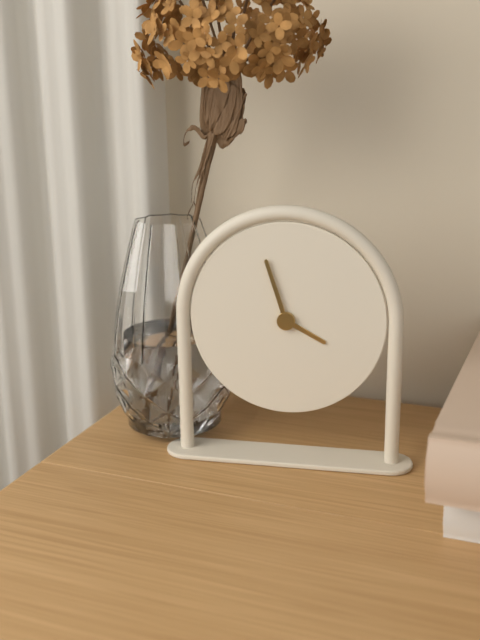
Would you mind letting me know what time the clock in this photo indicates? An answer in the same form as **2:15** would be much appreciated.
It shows **3:57**
